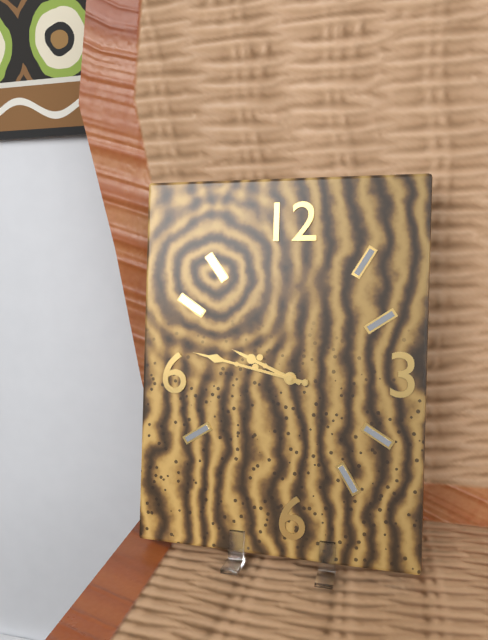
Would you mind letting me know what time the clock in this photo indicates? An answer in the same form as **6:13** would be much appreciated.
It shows **9:47**
